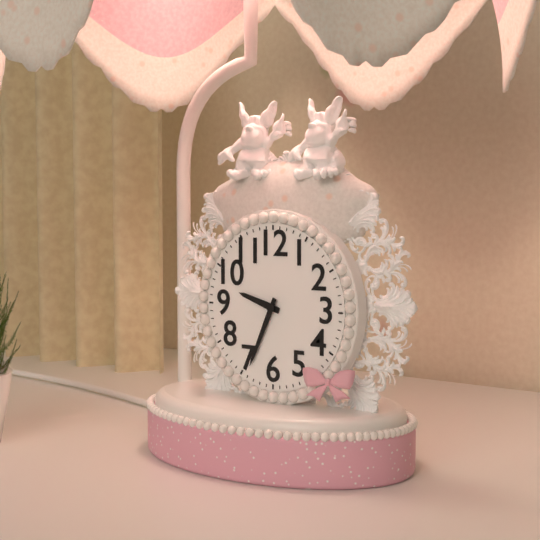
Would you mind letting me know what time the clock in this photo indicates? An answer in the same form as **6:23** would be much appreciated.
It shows **9:34**
